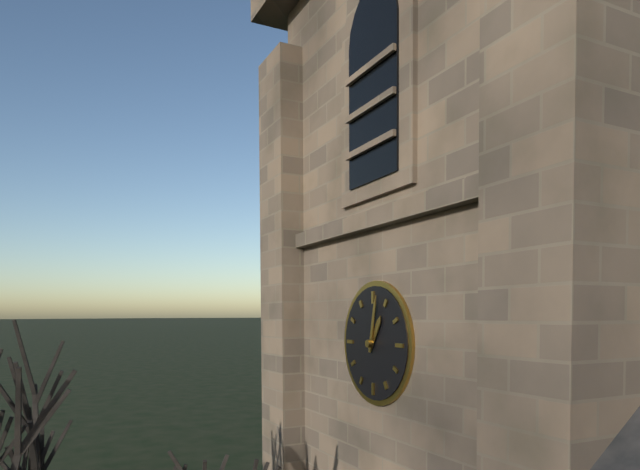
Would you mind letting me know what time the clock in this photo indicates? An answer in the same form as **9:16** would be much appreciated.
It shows **1:02**
